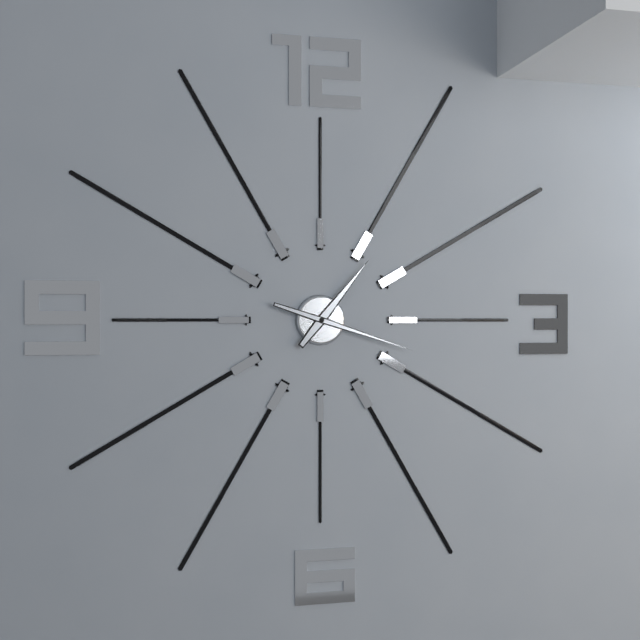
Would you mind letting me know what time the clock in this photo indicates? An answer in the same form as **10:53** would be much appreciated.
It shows **1:18**
